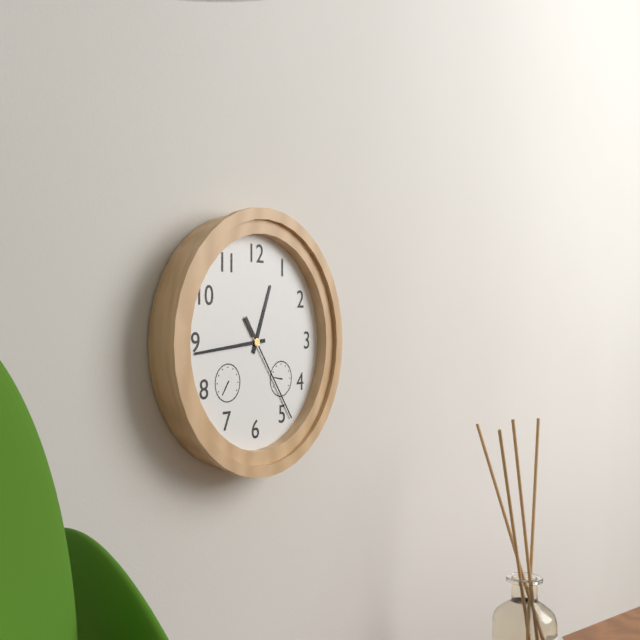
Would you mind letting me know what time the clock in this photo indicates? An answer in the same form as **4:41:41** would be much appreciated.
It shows **12:44:24**
